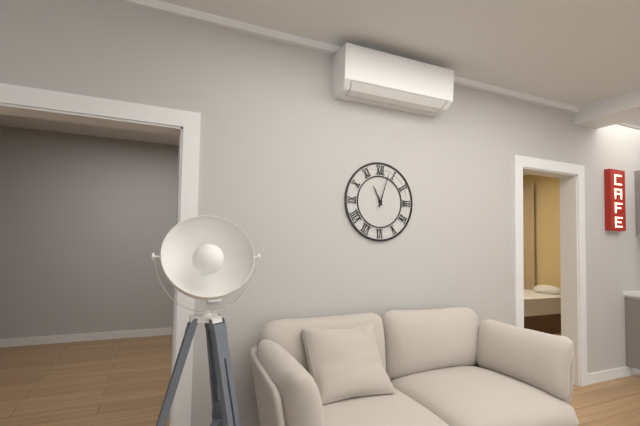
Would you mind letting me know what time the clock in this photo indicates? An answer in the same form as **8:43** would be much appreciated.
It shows **11:03**
